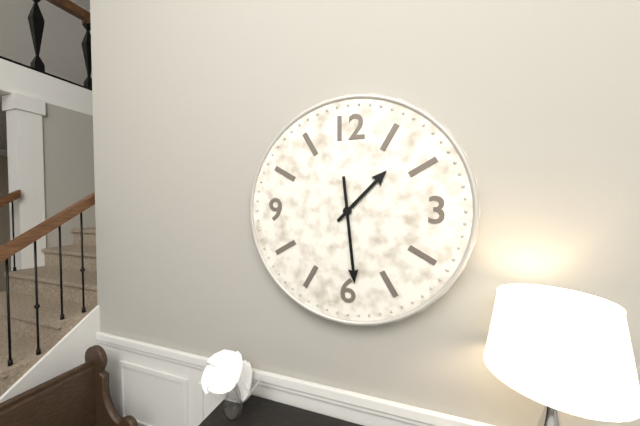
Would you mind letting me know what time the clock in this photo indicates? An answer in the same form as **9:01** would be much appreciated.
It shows **1:29**
